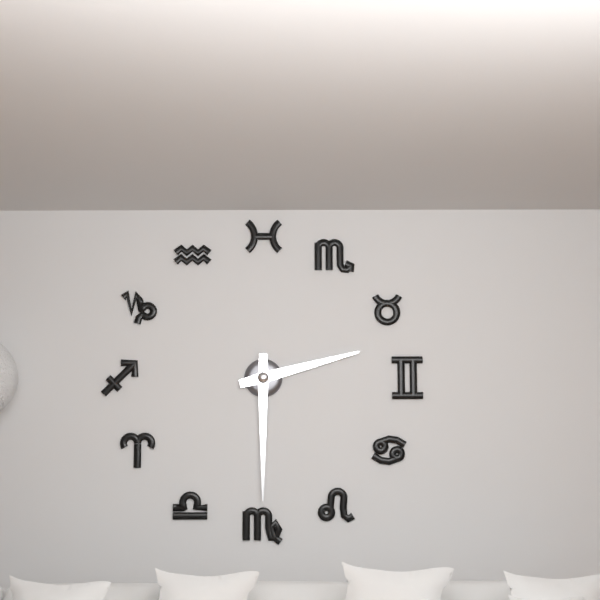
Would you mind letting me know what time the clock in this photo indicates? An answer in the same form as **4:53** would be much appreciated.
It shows **2:30**
